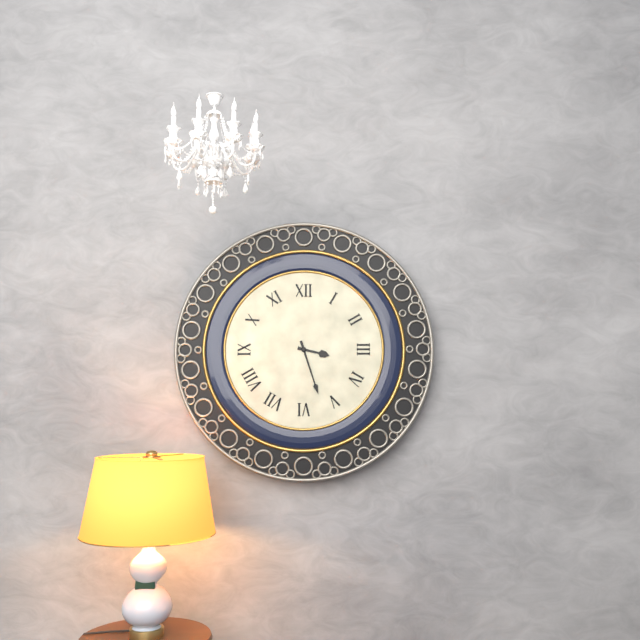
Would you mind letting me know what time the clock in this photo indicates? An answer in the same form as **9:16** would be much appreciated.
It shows **3:27**
